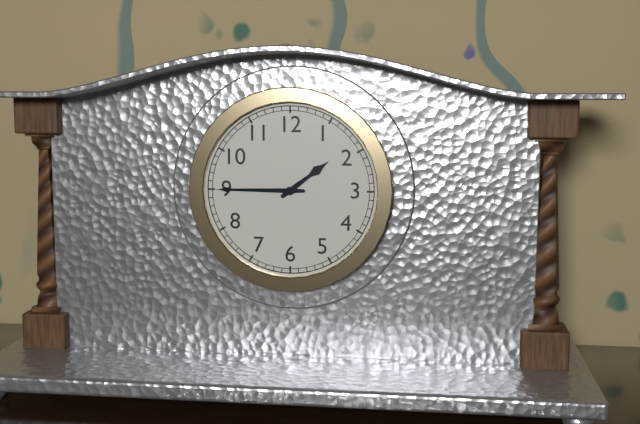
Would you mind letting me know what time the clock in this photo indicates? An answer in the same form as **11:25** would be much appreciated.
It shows **1:45**
